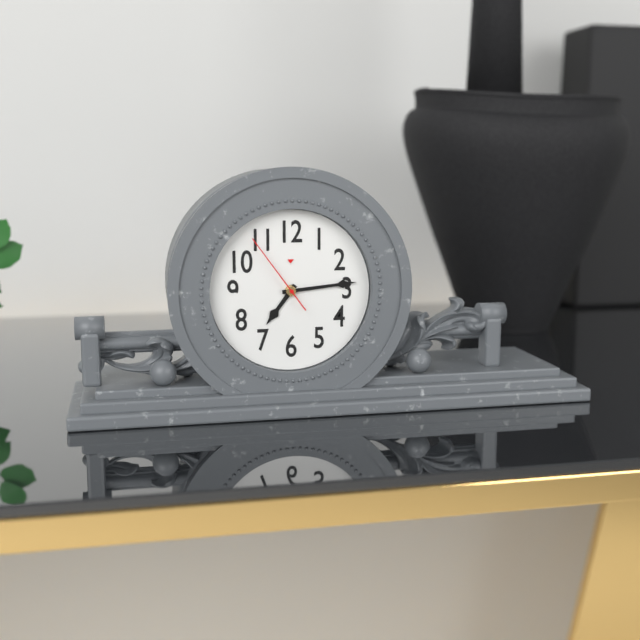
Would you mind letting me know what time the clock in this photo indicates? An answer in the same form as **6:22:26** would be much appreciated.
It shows **7:14:54**
